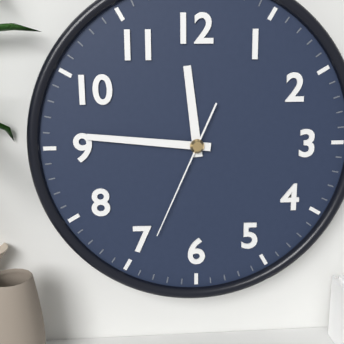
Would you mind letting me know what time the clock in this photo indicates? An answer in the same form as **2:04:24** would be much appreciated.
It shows **11:46:34**
